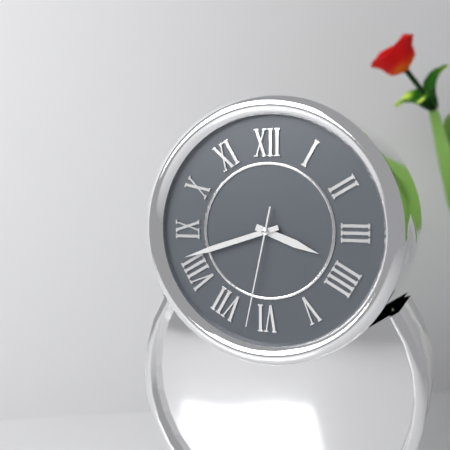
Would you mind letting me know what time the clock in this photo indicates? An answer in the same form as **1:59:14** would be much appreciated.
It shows **3:42:32**
